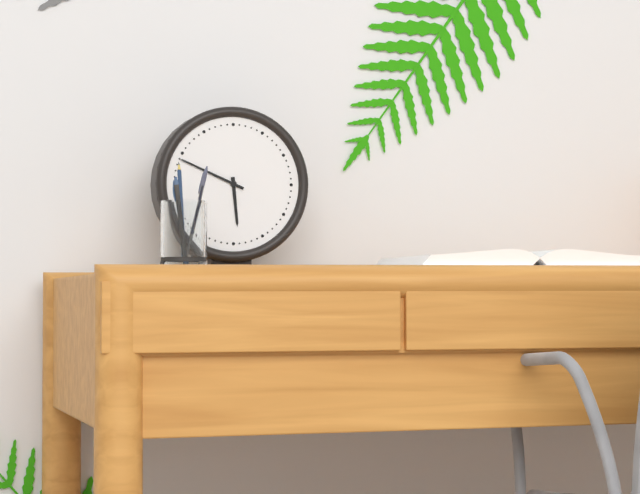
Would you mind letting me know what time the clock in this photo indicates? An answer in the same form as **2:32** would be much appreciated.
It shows **5:49**
